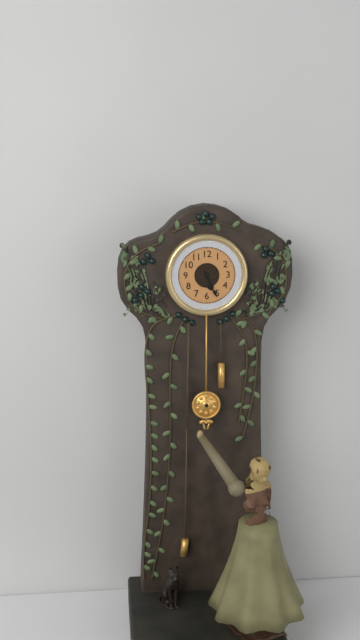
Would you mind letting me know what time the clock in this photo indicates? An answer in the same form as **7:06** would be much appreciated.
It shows **5:26**
